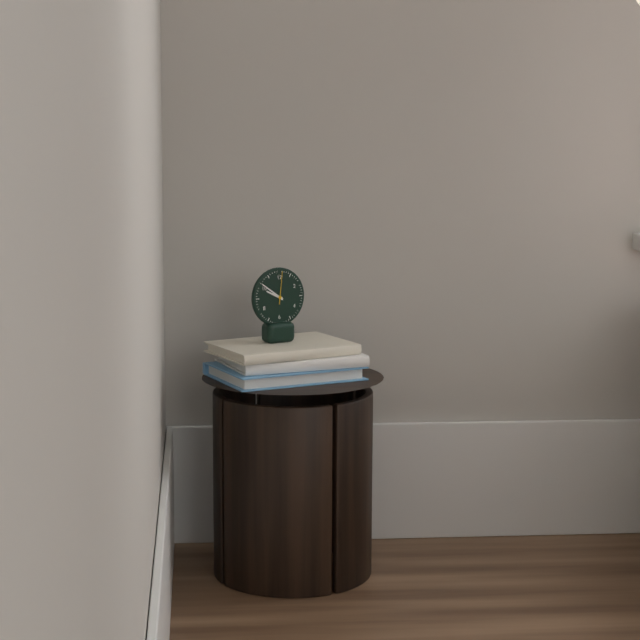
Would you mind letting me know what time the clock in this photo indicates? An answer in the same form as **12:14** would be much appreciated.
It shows **9:51**
